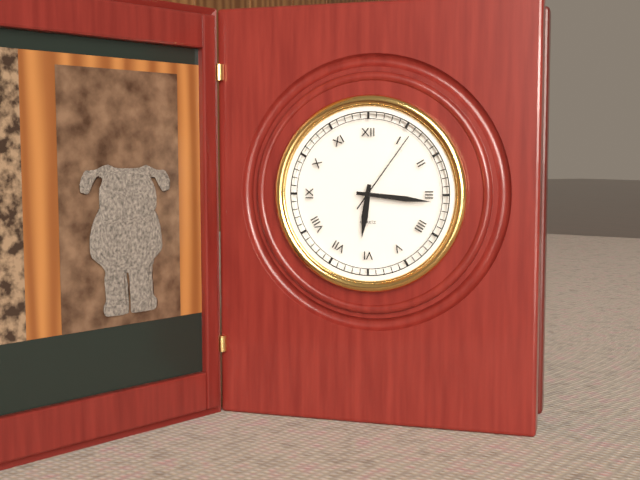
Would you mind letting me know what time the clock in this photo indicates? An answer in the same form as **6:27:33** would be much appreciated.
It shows **6:16:06**
